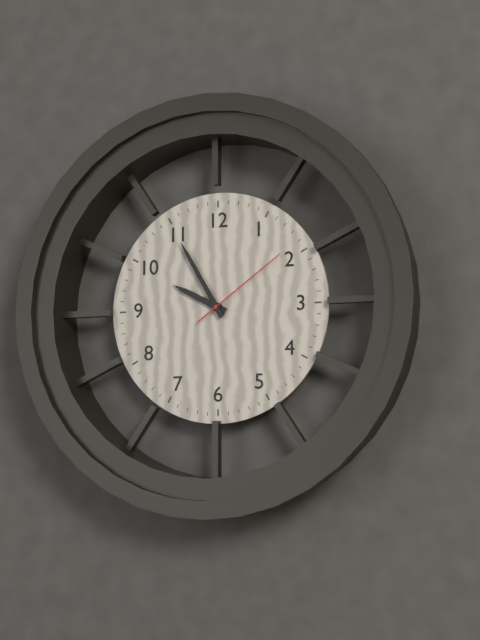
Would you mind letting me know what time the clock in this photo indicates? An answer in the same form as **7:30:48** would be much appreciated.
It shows **9:55:09**
